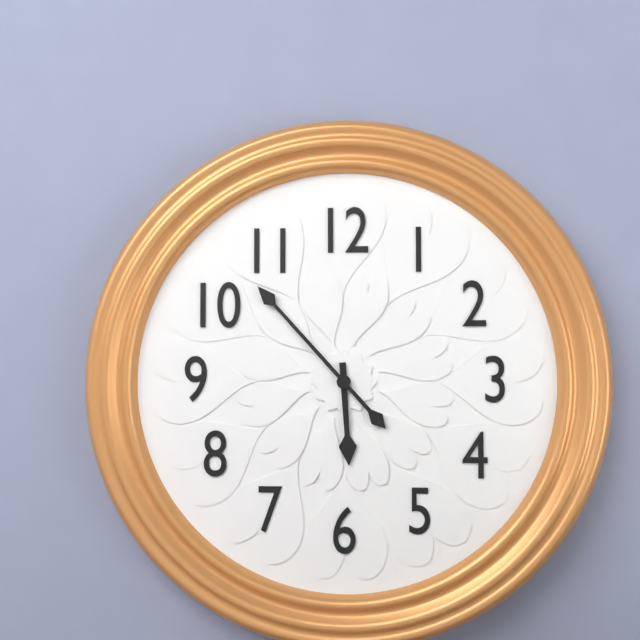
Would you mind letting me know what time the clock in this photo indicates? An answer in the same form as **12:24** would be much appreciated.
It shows **5:53**
